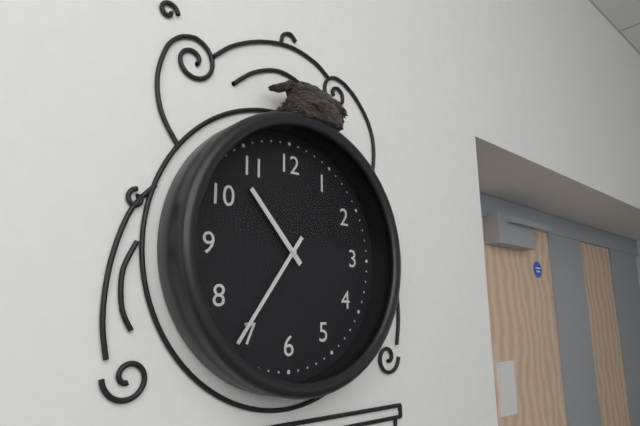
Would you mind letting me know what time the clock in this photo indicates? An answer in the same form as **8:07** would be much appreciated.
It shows **10:36**
